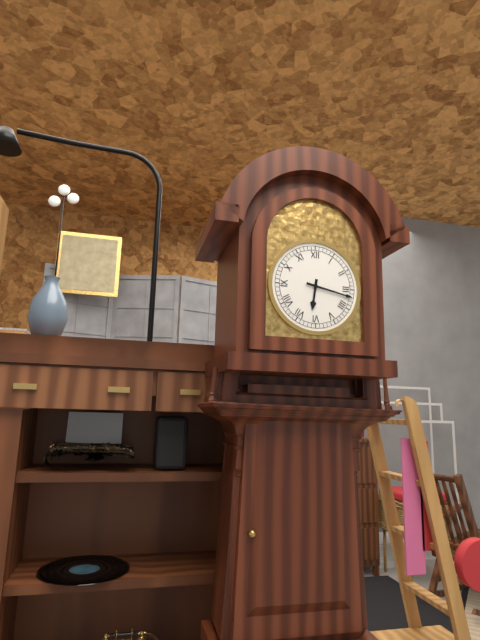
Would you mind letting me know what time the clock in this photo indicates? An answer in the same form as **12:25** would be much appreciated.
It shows **6:17**
